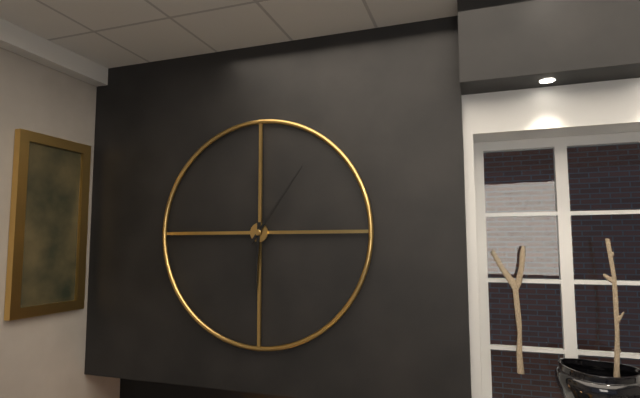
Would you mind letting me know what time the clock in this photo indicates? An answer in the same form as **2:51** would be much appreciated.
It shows **6:06**
